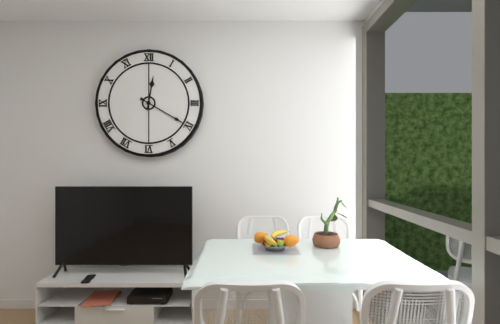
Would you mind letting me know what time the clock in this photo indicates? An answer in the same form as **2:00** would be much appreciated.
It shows **12:20**
